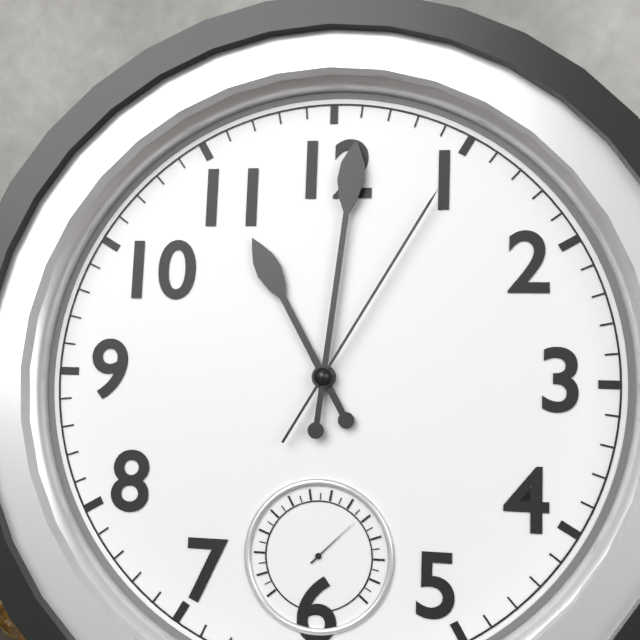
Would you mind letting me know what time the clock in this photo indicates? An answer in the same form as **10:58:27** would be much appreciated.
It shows **11:01:05**
